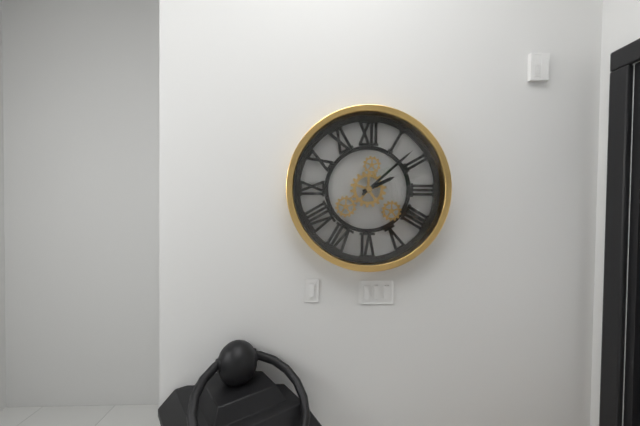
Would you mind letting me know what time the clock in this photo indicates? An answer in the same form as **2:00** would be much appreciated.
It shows **2:08**
